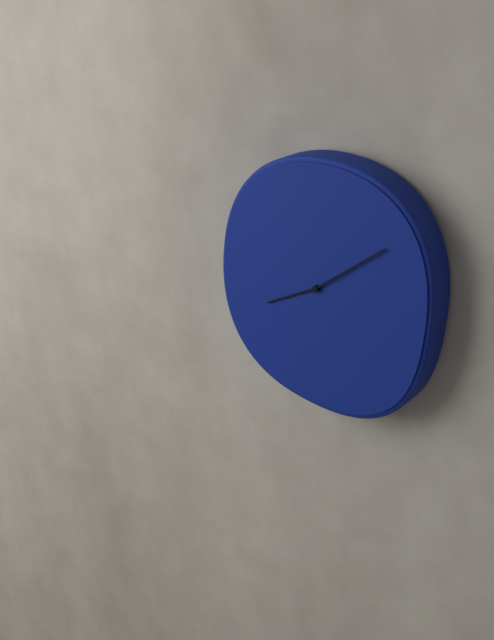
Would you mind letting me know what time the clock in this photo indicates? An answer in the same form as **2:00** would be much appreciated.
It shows **8:09**
